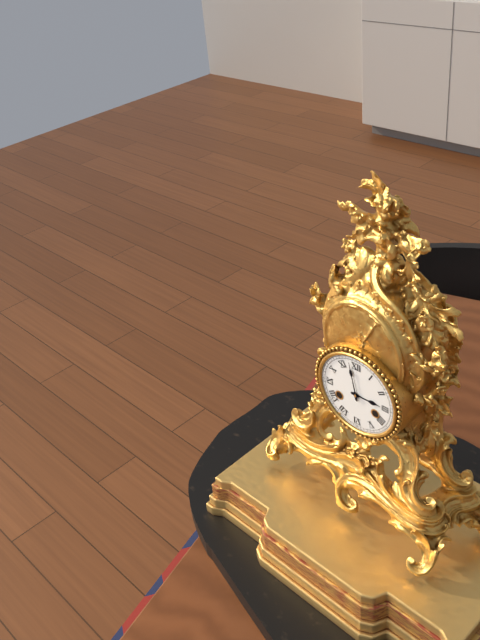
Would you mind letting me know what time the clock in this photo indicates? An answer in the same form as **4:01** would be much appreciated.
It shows **2:58**
